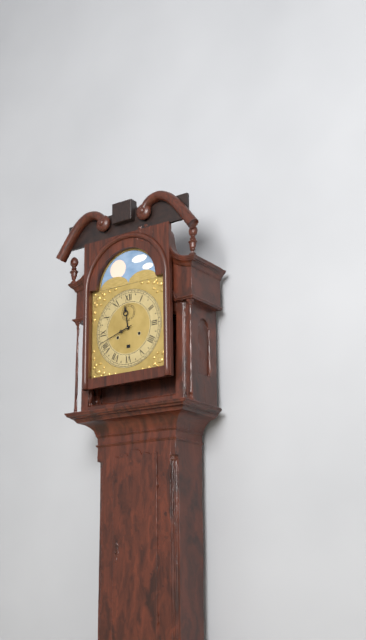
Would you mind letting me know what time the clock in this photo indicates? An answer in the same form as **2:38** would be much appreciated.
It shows **11:42**
